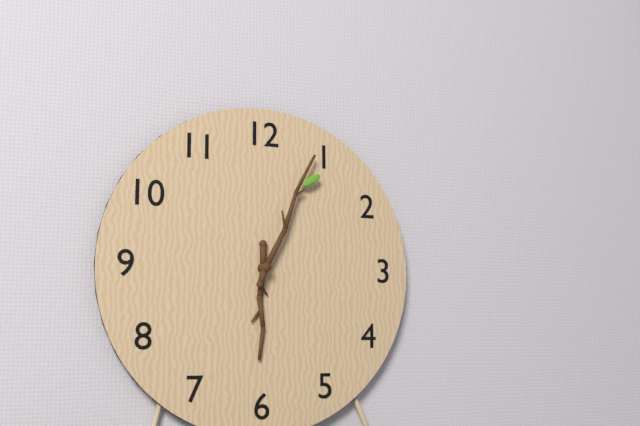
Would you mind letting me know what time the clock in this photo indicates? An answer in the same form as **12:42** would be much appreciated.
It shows **6:04**
